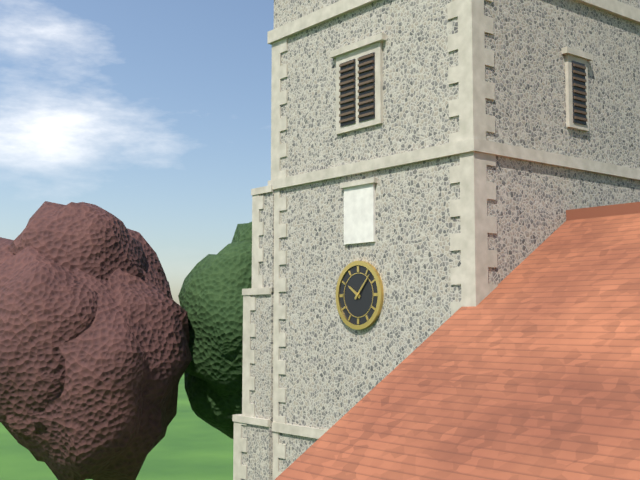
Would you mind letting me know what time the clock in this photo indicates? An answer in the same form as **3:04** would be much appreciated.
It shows **10:07**
